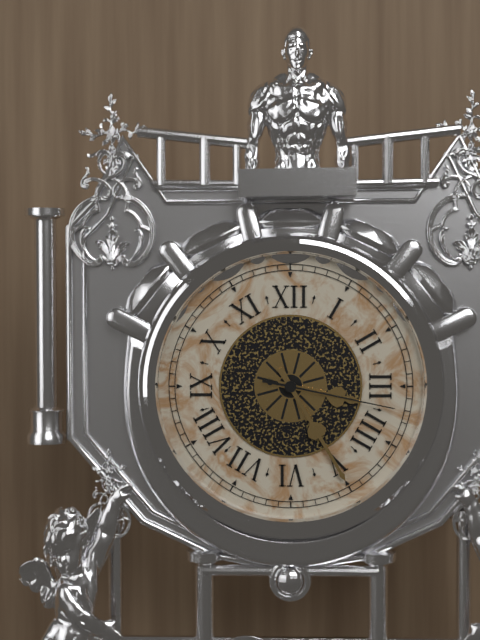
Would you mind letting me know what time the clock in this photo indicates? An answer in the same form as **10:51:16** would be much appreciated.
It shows **3:25:17**
